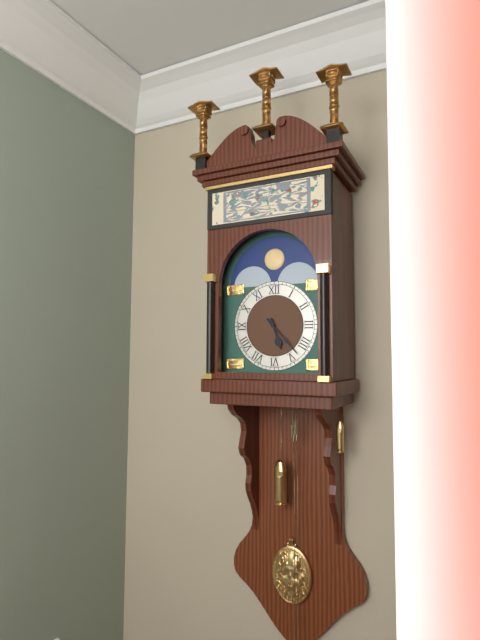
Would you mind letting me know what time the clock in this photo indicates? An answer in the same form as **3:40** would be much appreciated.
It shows **5:23**
